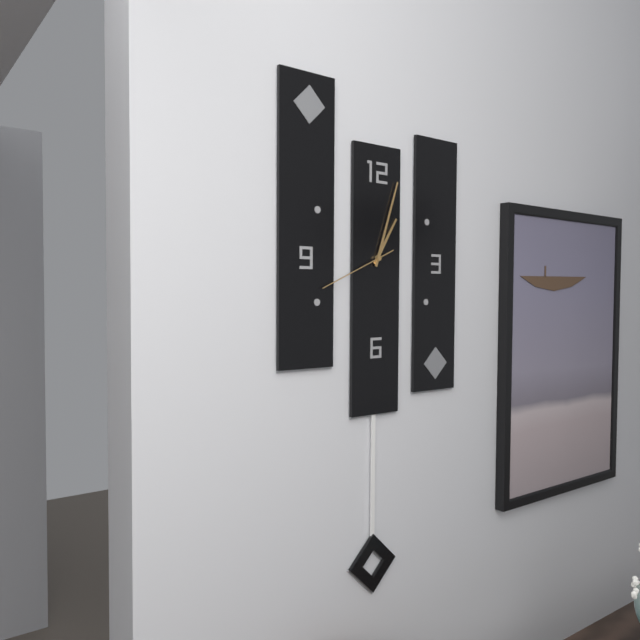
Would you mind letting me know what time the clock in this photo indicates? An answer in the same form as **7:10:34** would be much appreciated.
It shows **1:03:41**
